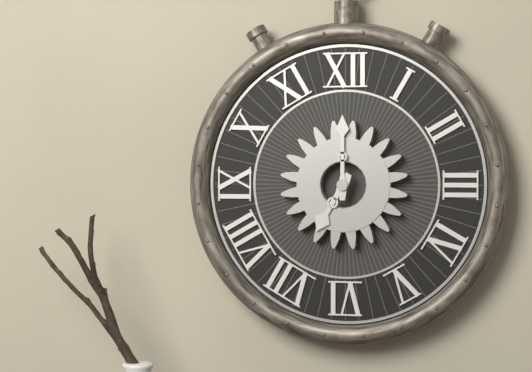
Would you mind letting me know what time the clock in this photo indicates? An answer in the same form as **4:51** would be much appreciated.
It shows **7:00**
